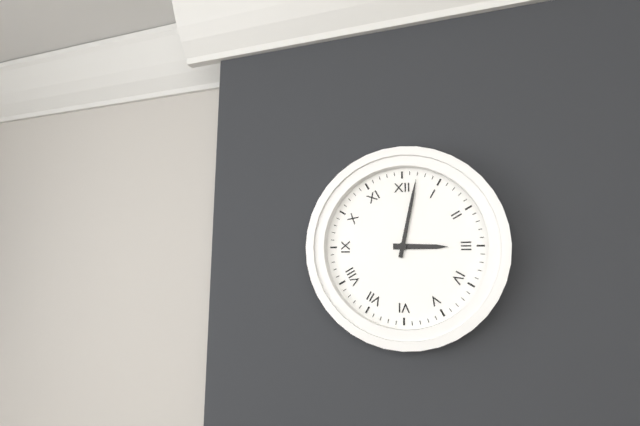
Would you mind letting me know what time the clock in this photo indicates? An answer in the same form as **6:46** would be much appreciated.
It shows **3:02**
